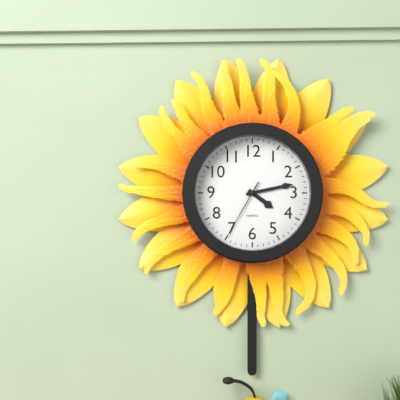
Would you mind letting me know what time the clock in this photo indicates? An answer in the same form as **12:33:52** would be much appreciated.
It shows **4:13:35**
